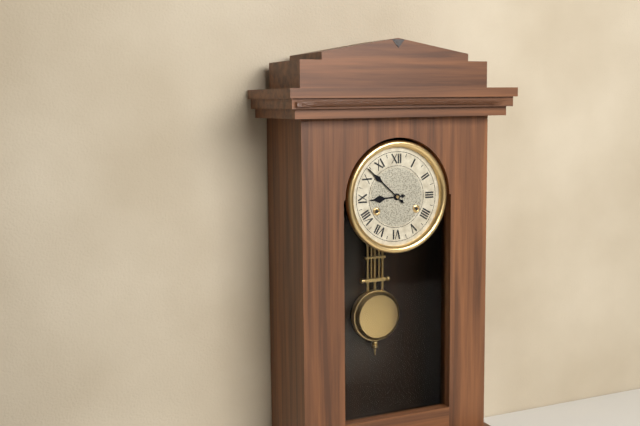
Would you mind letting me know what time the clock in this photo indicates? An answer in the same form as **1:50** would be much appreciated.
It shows **8:52**
